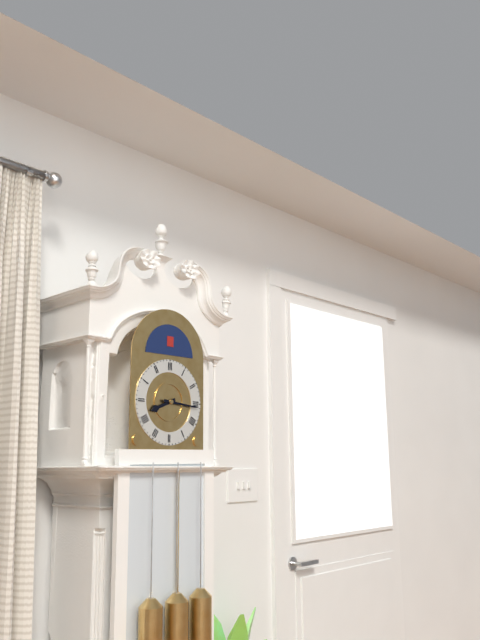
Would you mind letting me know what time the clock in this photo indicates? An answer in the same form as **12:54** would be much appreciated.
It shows **8:16**
